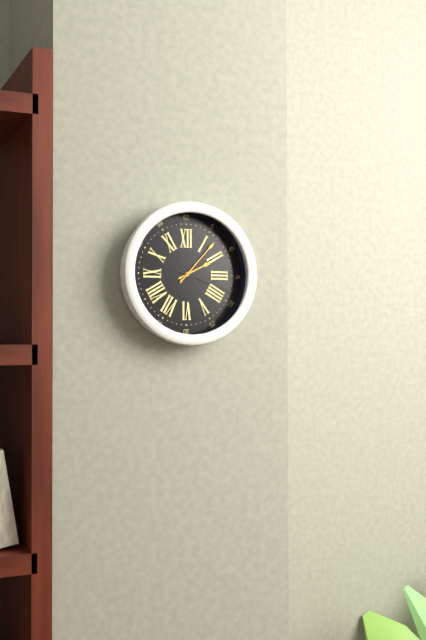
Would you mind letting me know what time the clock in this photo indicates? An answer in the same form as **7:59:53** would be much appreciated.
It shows **2:07:18**
